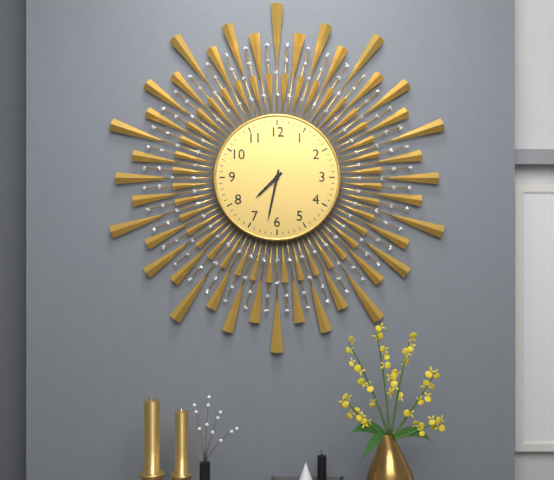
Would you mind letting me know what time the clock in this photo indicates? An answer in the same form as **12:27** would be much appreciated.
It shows **7:32**
